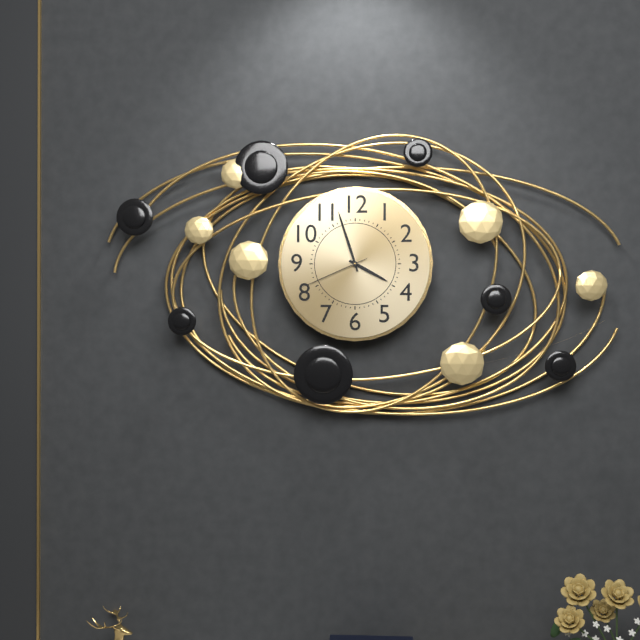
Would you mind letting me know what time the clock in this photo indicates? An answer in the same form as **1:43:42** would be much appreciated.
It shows **3:57:41**
